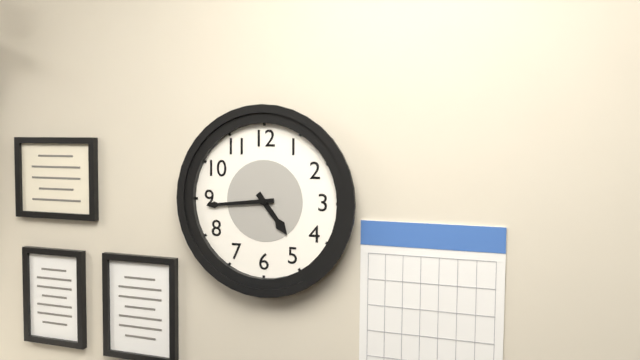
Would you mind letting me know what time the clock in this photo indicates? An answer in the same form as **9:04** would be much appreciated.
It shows **4:44**
